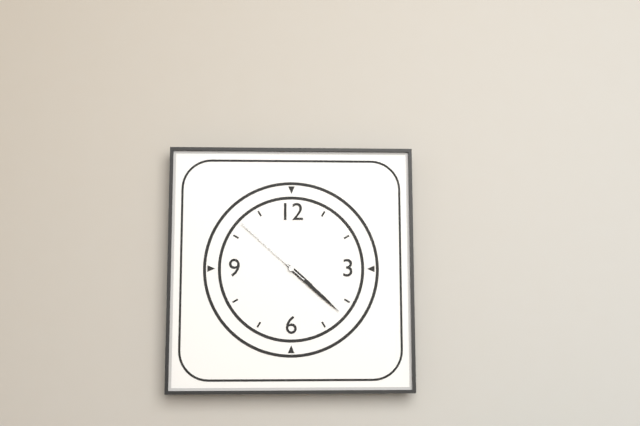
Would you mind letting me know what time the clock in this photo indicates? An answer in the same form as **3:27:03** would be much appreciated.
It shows **4:22:52**
